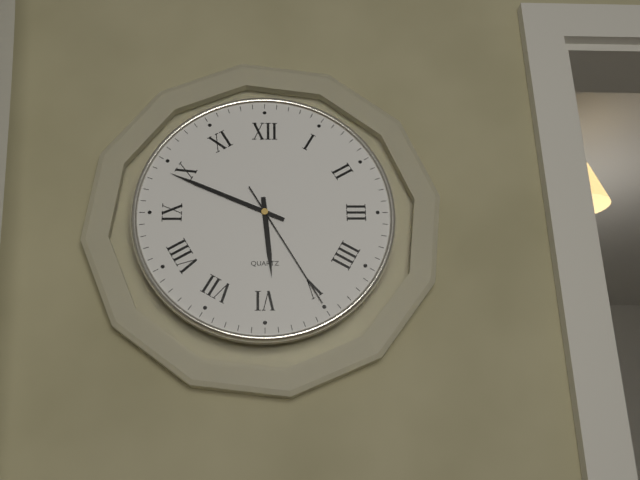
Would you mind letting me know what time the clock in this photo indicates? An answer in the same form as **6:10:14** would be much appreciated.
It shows **5:49:25**
